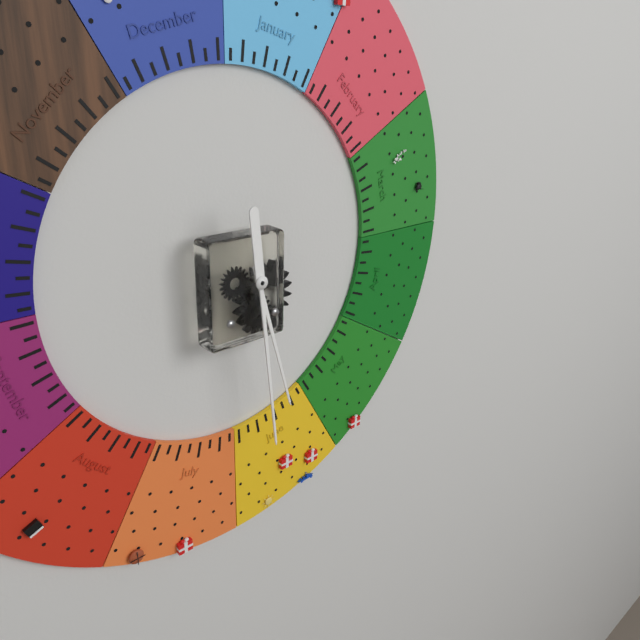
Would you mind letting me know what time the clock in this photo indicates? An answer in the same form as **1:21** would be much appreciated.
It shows **5:29**
